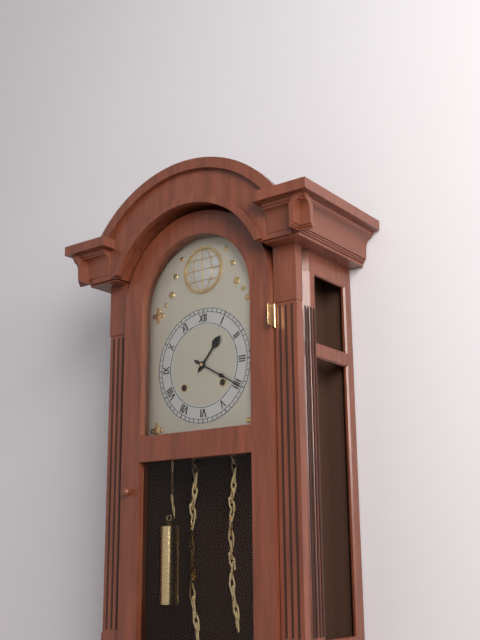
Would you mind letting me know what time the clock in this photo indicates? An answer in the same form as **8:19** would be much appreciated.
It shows **1:20**
